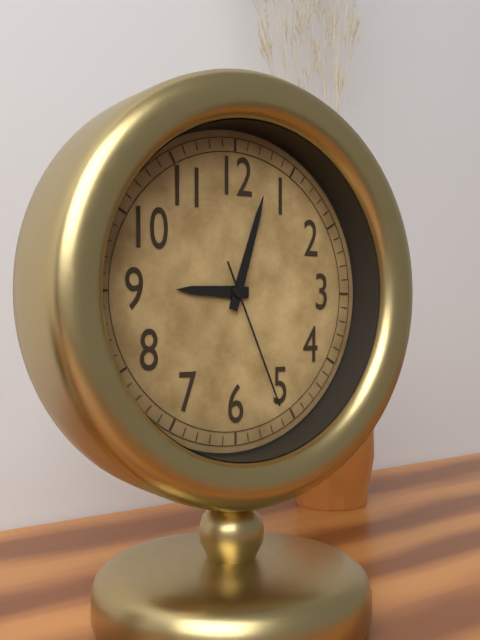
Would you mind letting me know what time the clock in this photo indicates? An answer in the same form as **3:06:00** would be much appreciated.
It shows **9:03:26**
